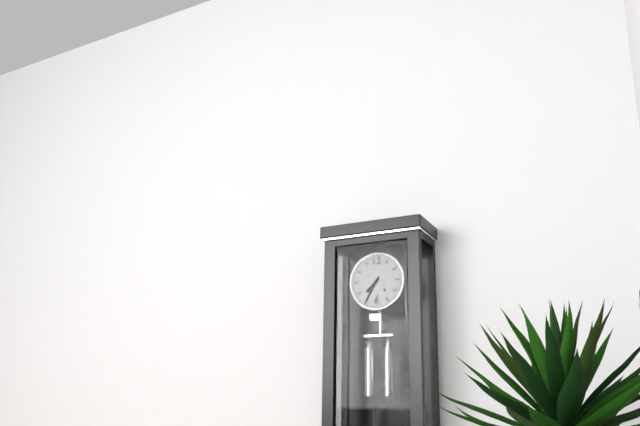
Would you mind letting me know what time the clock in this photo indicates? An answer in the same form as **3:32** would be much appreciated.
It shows **7:35**
